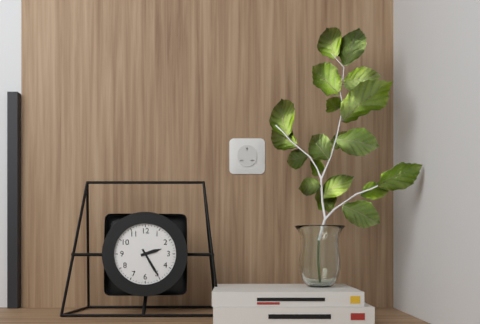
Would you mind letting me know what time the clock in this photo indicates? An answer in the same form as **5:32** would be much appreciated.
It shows **2:25**
